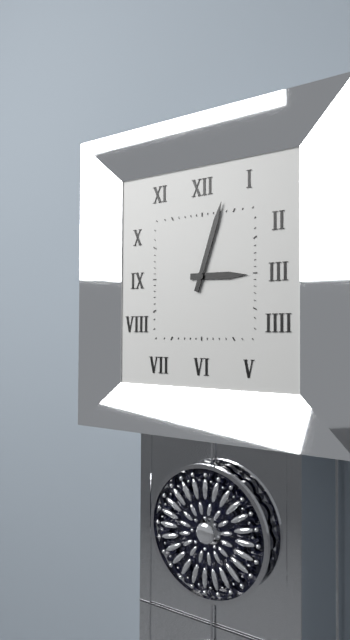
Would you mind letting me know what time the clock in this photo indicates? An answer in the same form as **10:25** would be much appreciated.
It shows **3:03**
